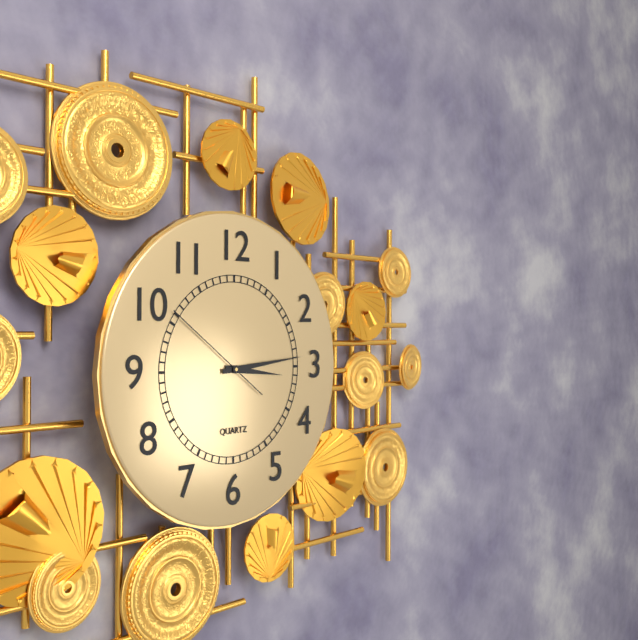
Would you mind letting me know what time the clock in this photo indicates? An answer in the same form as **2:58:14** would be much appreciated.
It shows **3:14:51**
